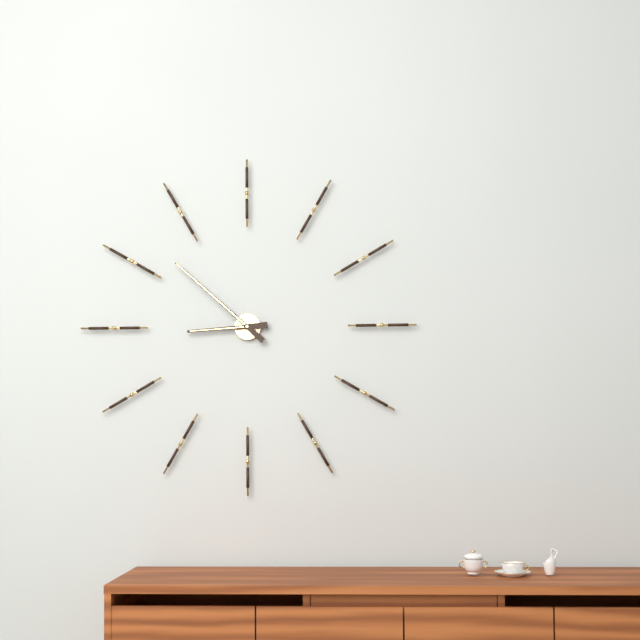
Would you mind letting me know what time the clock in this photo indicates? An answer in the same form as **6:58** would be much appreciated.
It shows **8:52**
